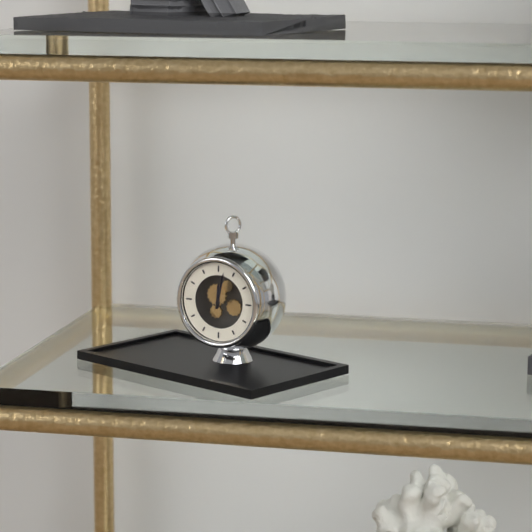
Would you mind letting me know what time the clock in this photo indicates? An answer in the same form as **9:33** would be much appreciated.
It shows **12:02**
